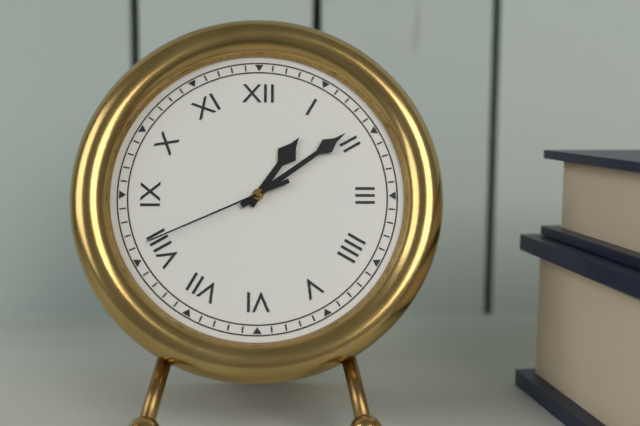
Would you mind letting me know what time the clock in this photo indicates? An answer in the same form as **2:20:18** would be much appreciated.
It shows **1:09:41**
